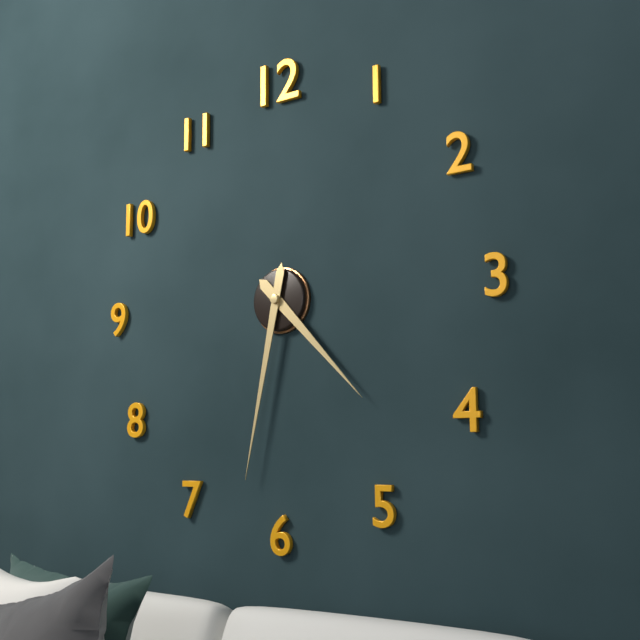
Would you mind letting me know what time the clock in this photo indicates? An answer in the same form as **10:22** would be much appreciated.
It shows **4:32**
